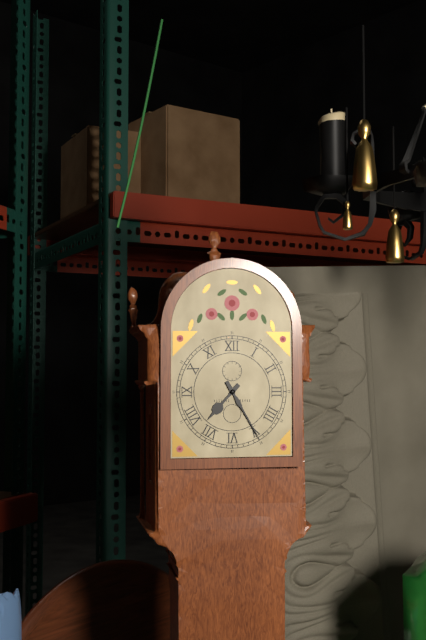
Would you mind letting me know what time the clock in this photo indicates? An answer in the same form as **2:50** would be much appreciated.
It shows **7:25**
